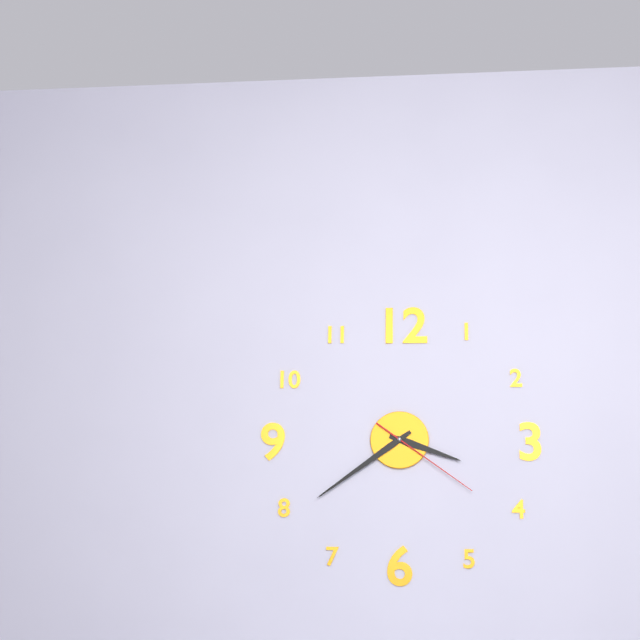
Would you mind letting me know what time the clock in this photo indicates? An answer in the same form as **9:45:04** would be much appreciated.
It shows **3:39:21**
